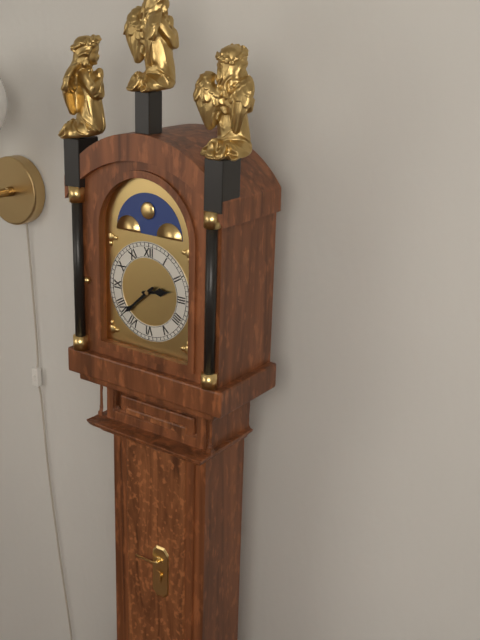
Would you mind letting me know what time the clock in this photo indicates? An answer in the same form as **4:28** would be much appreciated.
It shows **2:38**
